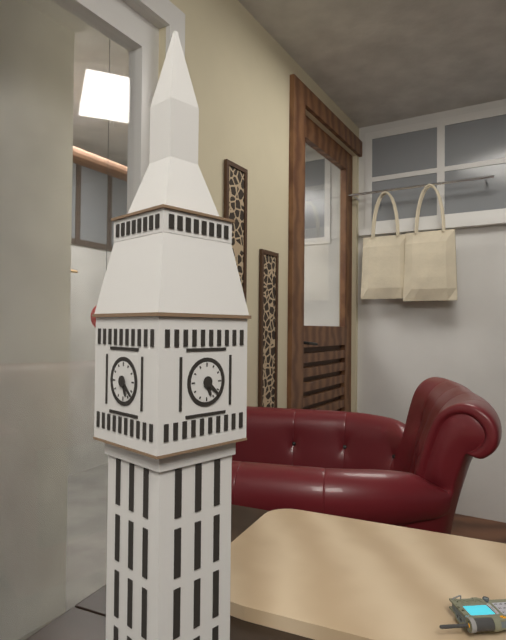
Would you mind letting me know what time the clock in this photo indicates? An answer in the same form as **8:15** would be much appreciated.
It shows **5:22**
